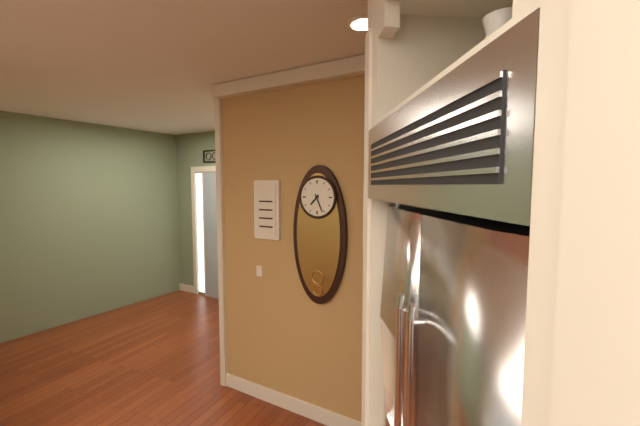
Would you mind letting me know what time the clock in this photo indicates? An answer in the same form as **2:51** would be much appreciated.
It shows **7:26**
